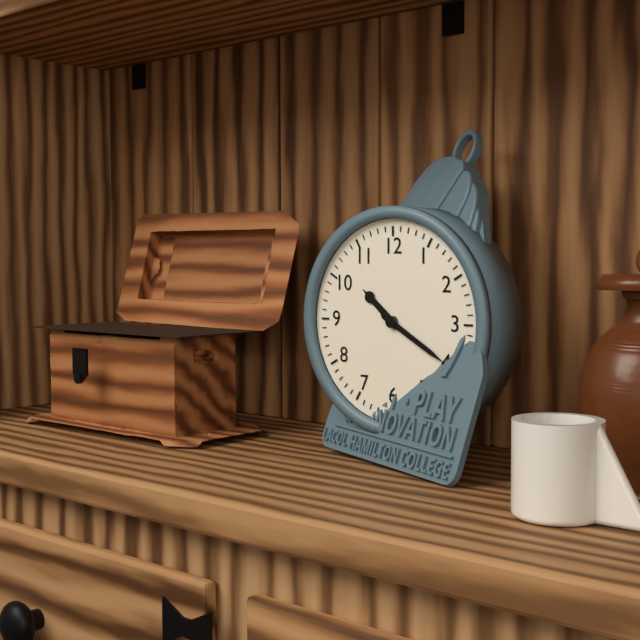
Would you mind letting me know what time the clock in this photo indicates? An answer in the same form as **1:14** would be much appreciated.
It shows **10:20**
